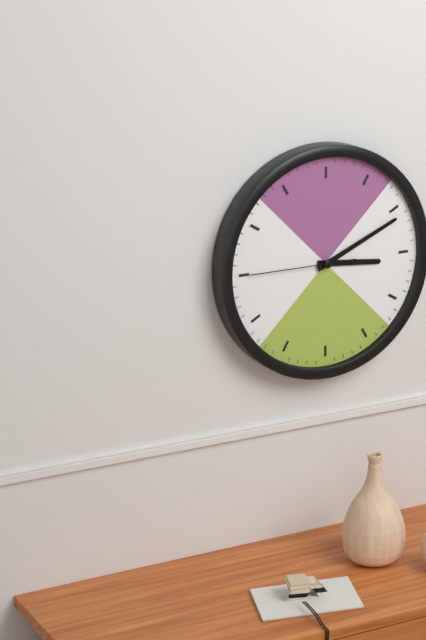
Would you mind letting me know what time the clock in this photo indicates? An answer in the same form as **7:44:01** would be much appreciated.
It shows **3:11:45**
